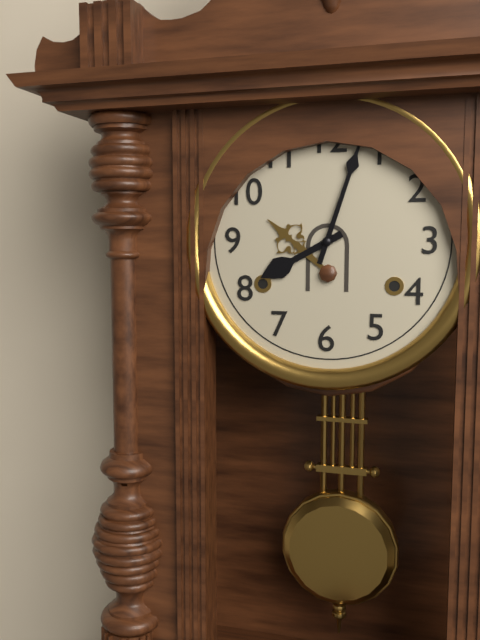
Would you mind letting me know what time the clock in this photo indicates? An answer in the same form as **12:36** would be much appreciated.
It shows **8:03**
